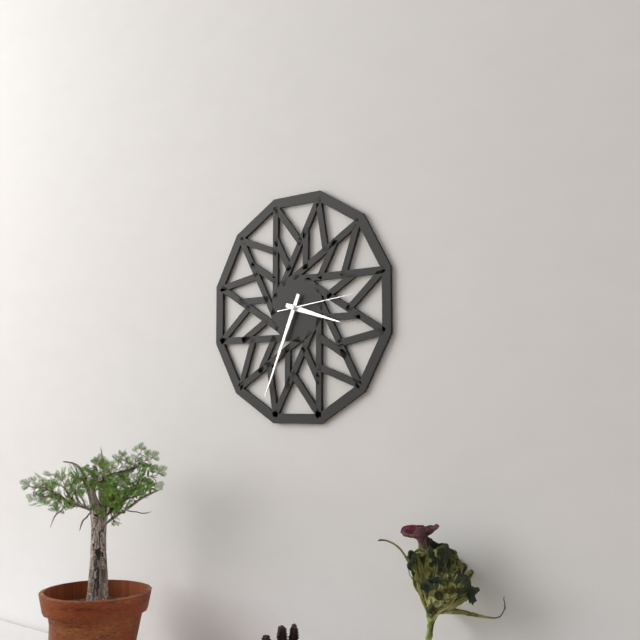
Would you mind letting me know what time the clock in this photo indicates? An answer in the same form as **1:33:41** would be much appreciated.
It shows **3:34:14**
